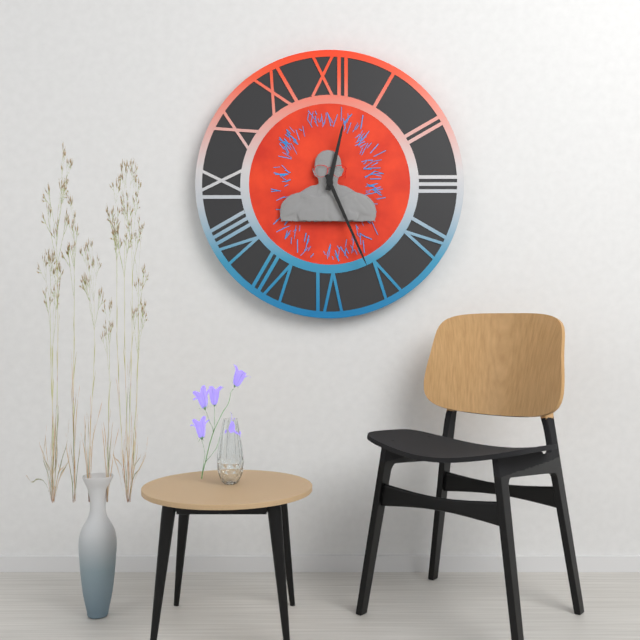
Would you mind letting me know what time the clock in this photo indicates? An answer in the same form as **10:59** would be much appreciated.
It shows **12:26**
